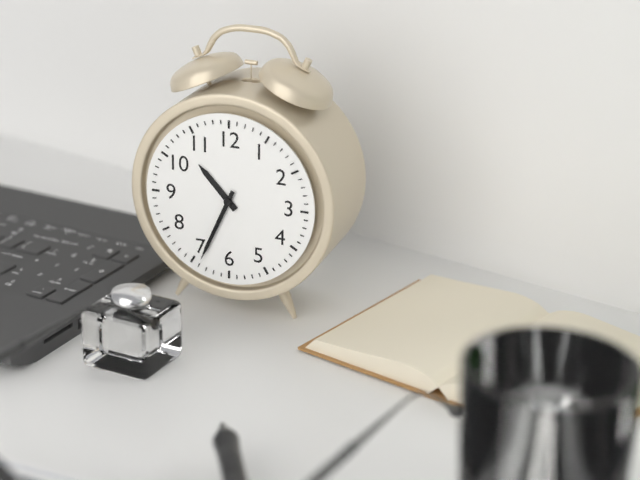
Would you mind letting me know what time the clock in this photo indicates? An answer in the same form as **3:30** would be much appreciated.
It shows **10:34**
